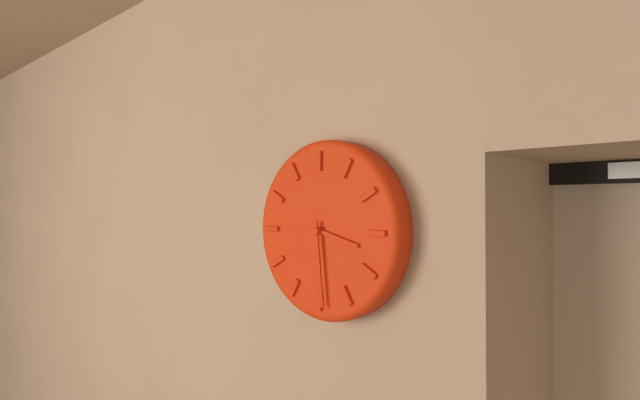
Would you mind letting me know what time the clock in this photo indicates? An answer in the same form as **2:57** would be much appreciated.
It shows **3:29**
